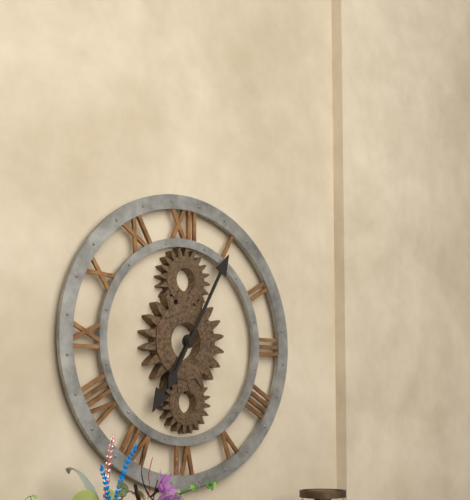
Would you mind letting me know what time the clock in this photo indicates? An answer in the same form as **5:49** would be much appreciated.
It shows **7:05**
